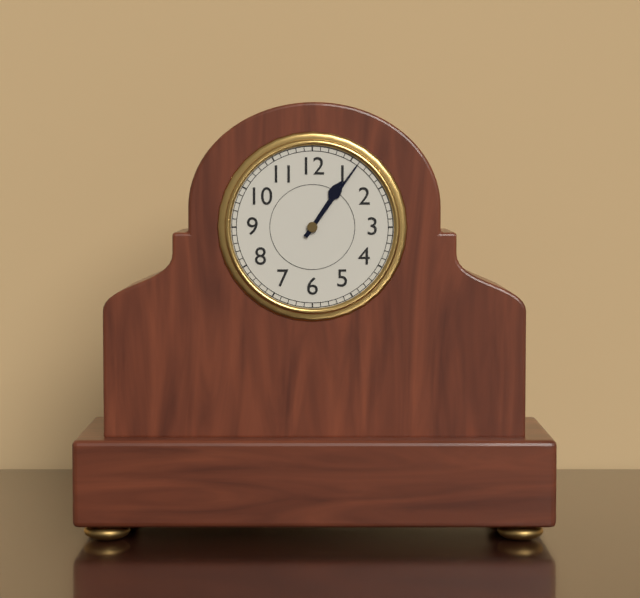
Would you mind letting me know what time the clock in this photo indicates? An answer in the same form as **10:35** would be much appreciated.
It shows **1:06**
